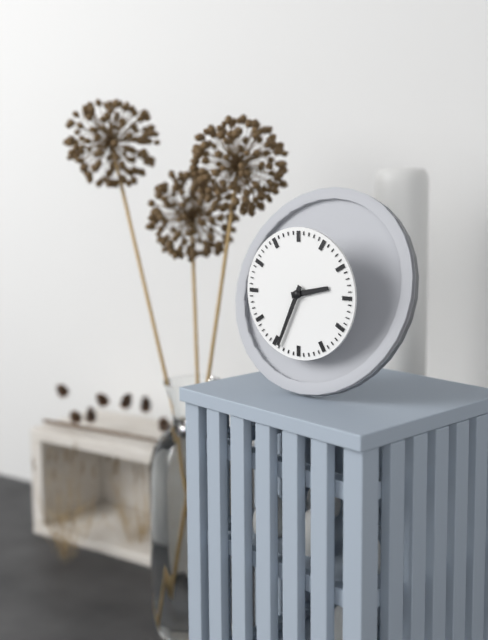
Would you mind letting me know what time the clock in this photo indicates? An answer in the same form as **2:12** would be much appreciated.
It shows **2:34**
